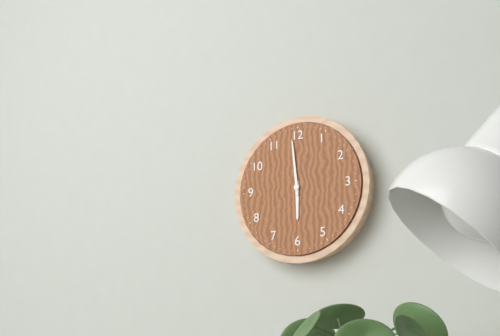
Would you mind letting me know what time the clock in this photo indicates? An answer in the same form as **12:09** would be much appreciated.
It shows **5:59**
